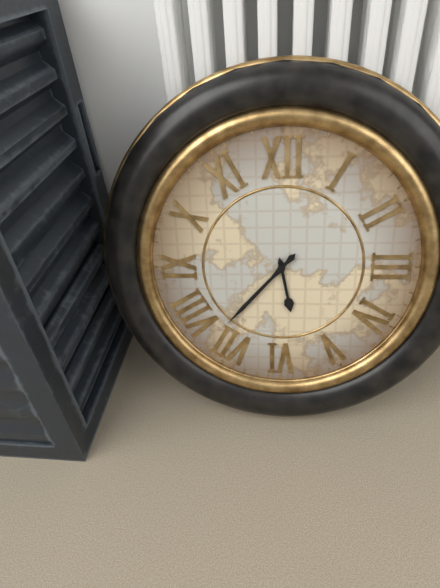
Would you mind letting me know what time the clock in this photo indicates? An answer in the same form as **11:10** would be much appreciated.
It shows **5:37**
